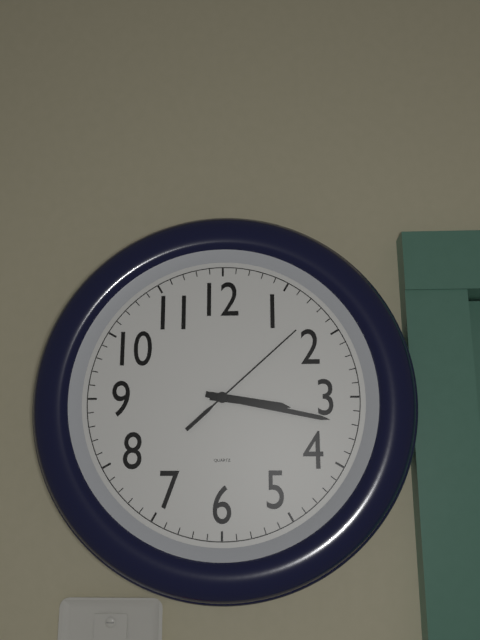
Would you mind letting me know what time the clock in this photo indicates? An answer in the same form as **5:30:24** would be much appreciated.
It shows **3:17:08**
